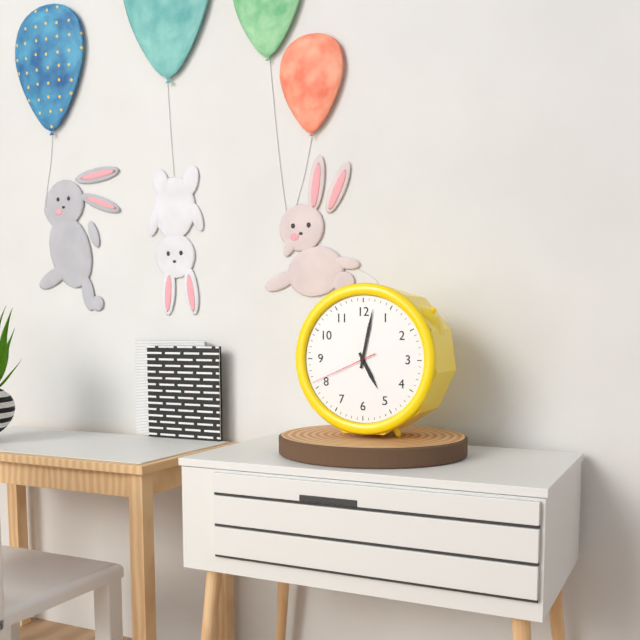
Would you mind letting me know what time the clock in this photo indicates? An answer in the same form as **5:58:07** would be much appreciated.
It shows **5:02:41**
